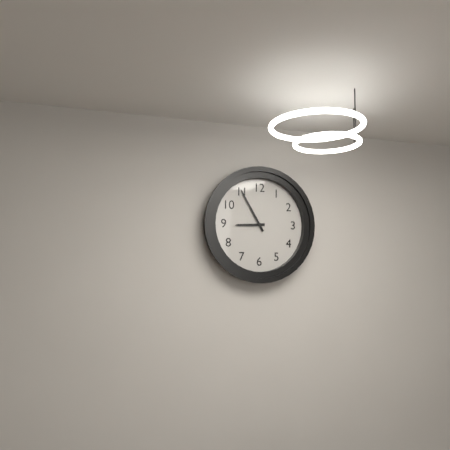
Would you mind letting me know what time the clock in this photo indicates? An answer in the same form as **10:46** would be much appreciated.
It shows **8:55**
